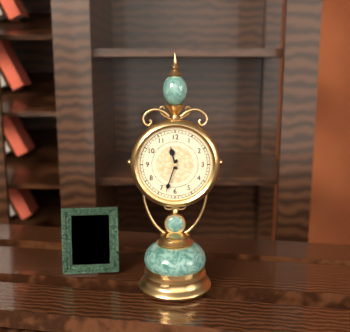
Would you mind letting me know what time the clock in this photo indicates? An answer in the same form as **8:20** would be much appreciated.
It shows **11:33**
